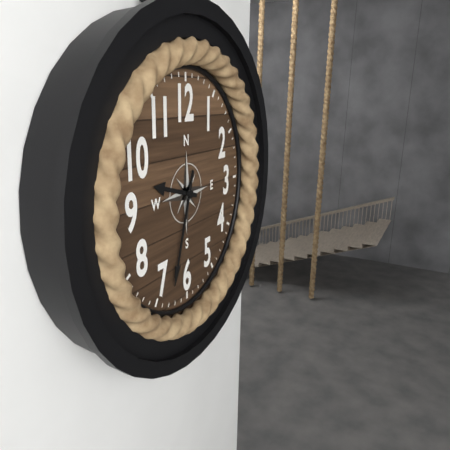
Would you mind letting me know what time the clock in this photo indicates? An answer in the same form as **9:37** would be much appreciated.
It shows **9:33**
